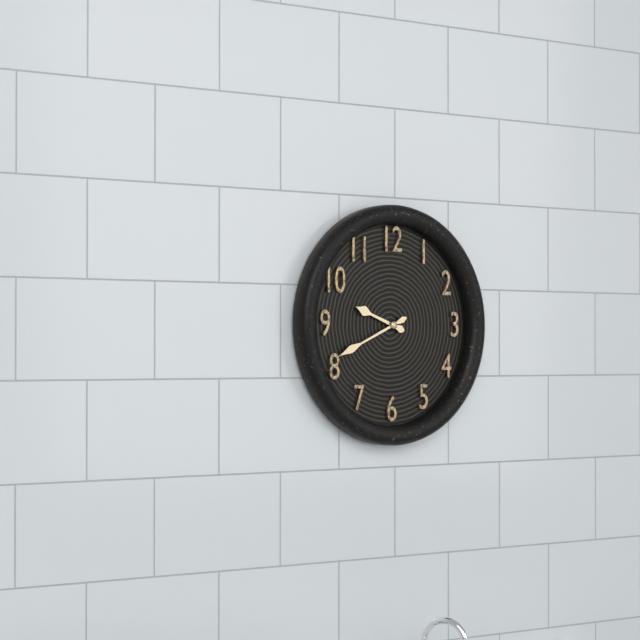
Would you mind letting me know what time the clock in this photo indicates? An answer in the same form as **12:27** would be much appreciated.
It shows **9:41**
